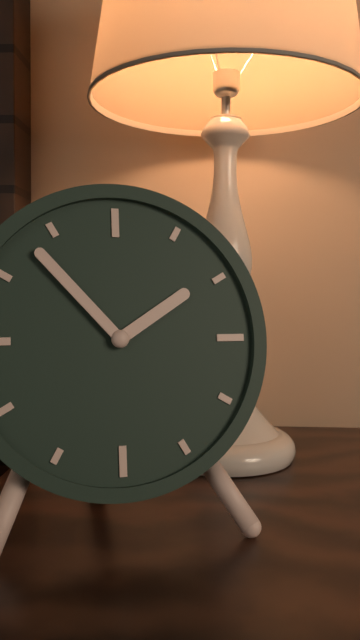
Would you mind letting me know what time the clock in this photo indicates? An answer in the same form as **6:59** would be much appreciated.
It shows **1:53**
